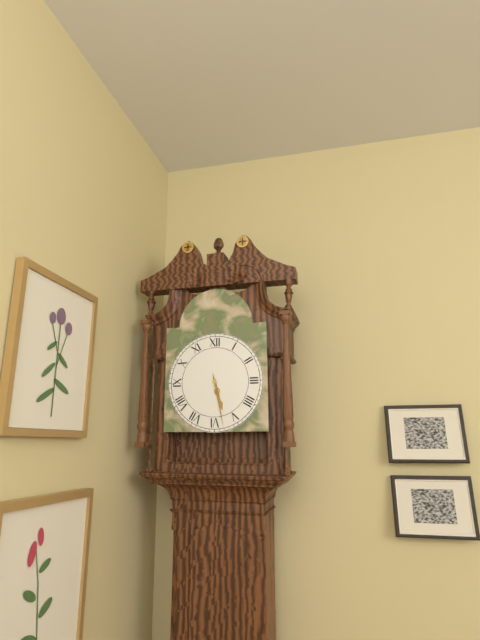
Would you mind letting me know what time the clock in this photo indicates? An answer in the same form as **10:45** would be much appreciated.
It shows **5:28**
